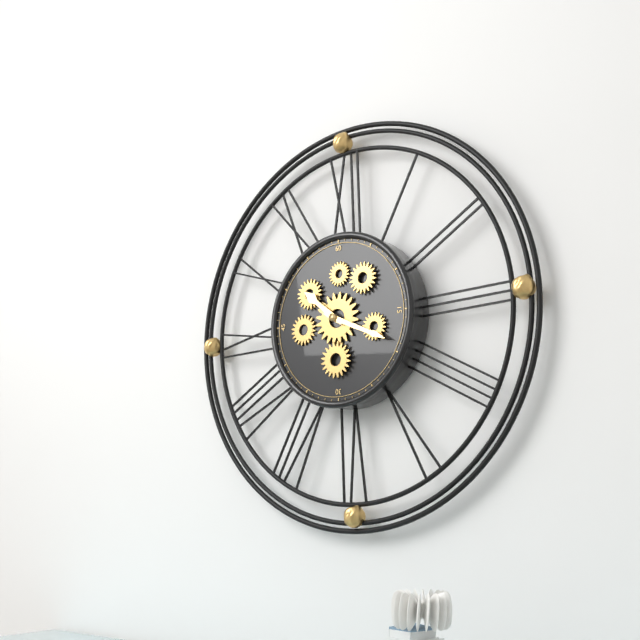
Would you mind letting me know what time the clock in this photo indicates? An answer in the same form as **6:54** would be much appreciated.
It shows **10:19**
